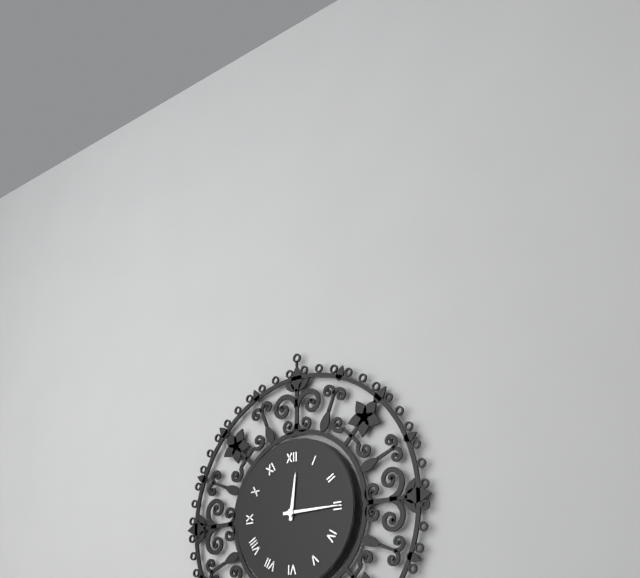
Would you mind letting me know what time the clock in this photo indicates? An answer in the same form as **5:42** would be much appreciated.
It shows **12:15**
